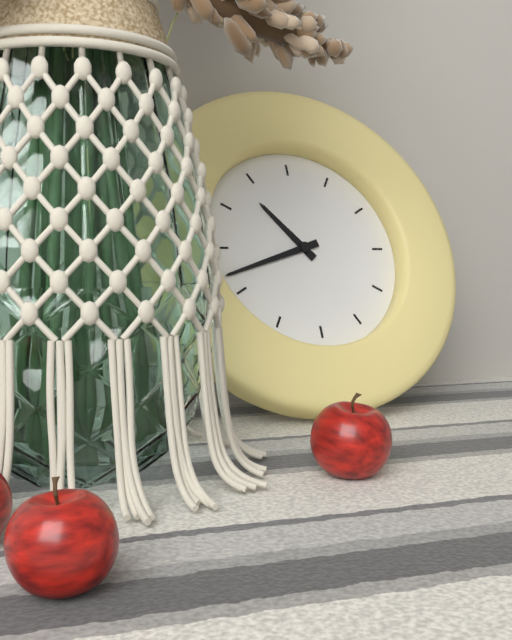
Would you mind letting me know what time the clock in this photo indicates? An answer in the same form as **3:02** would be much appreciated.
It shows **10:42**
